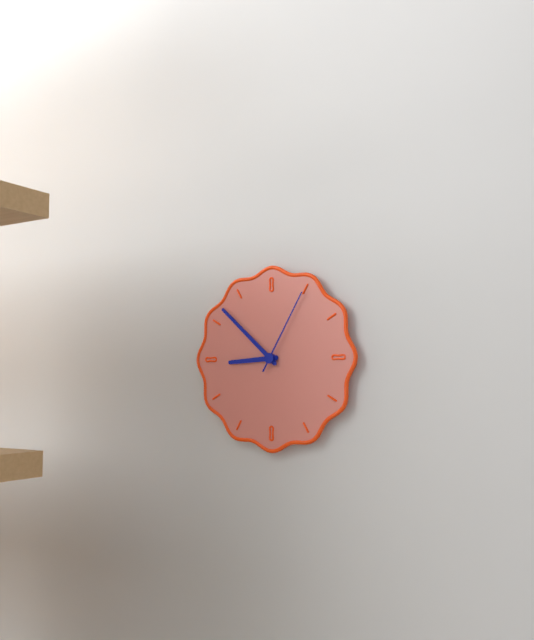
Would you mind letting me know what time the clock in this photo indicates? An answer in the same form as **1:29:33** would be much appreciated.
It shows **8:52:05**
